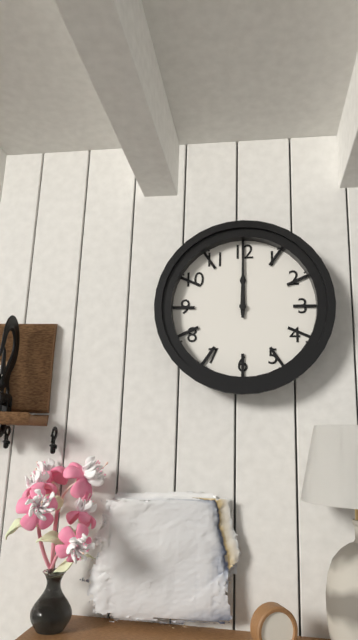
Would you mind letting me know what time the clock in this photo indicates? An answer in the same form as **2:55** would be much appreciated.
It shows **12:00**
